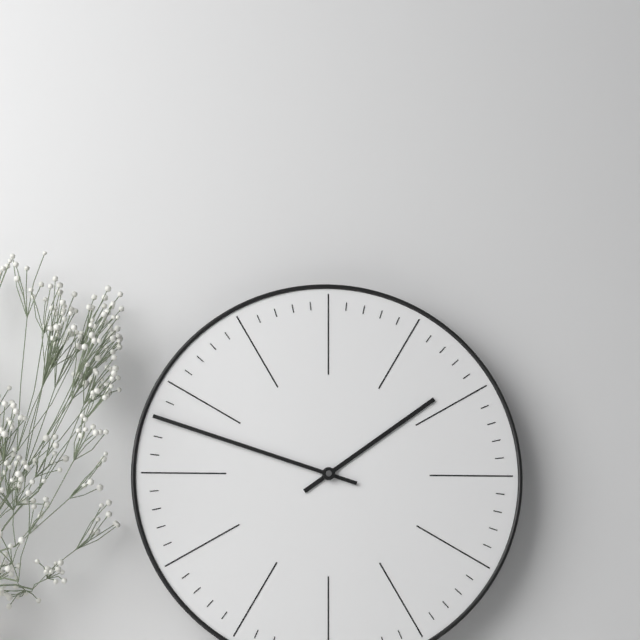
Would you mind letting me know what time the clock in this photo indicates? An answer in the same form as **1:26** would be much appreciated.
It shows **1:48**
